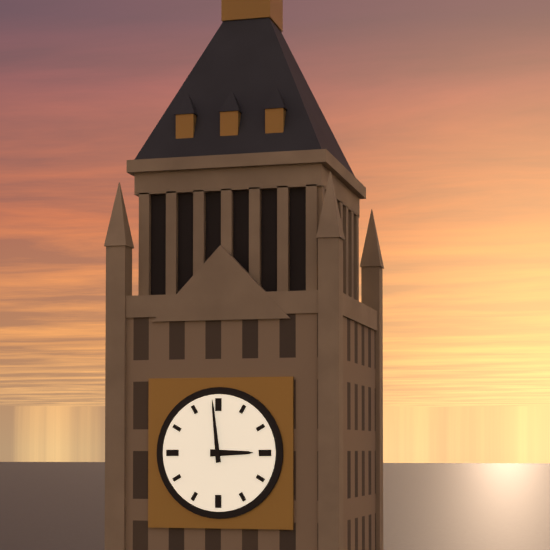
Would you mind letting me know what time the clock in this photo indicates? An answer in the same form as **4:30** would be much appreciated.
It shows **2:59**
